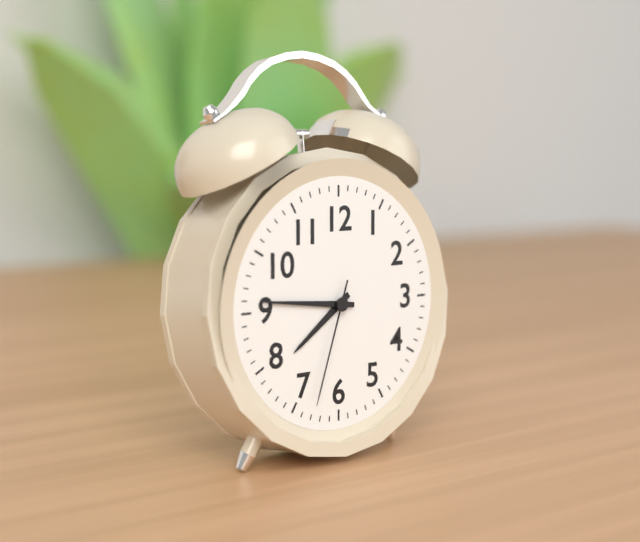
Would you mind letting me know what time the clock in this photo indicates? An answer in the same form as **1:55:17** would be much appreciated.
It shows **7:46:33**
